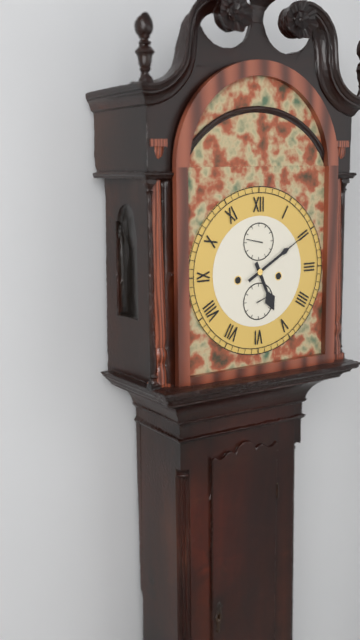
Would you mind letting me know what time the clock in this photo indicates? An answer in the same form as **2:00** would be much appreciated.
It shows **5:10**
